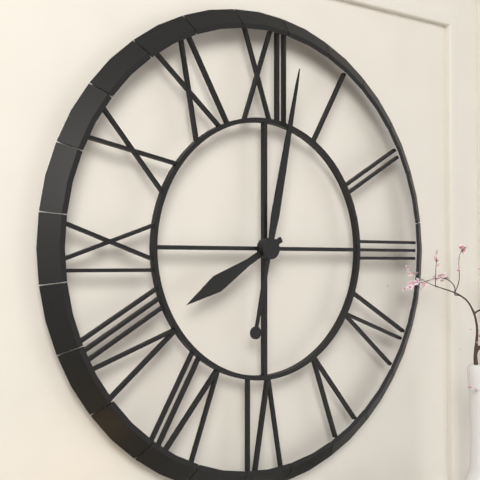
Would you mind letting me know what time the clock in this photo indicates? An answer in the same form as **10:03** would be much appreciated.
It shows **8:02**
